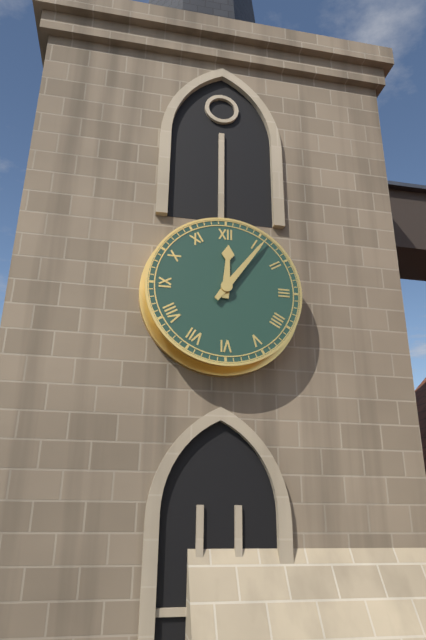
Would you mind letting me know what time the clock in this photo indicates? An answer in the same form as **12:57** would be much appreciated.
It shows **12:06**
